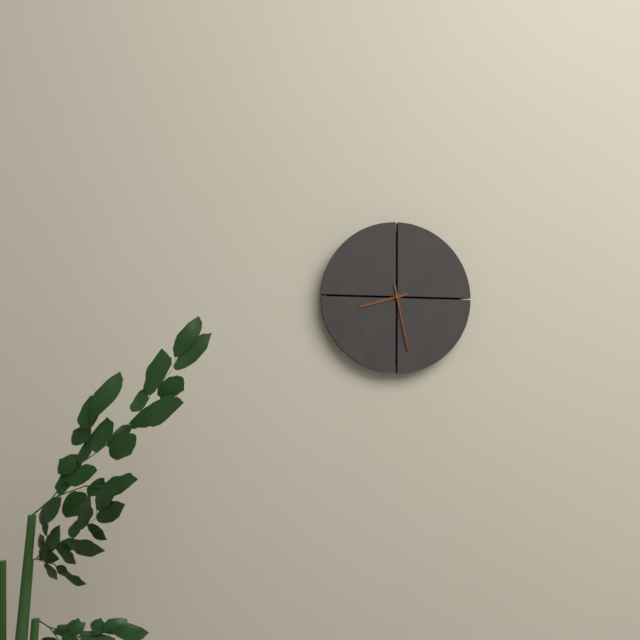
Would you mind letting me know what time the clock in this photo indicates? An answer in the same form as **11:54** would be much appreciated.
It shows **8:28**
